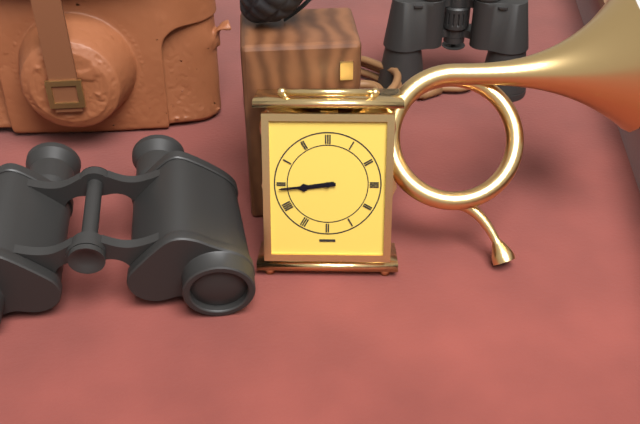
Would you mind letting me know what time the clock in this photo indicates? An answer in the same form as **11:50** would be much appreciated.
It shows **8:44**
